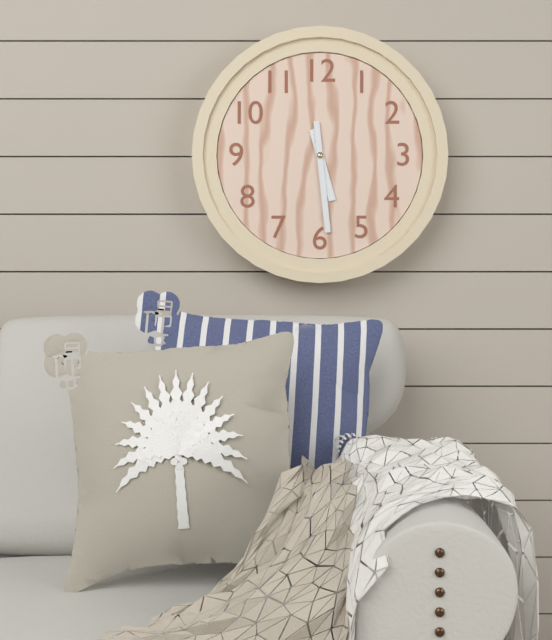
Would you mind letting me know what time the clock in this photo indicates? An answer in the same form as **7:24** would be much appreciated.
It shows **5:29**
